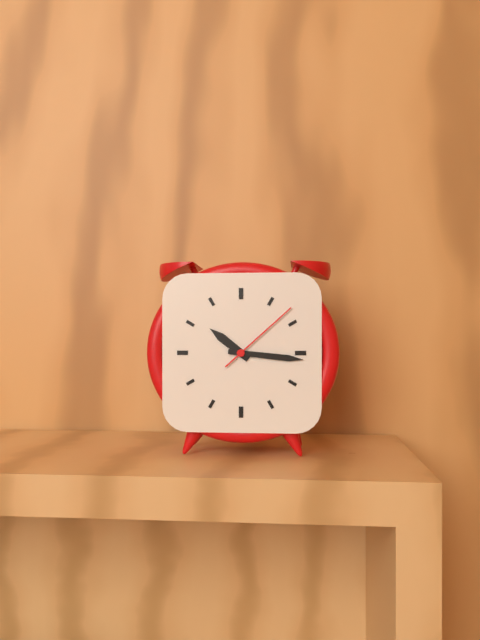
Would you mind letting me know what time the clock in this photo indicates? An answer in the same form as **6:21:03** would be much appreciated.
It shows **10:16:08**
